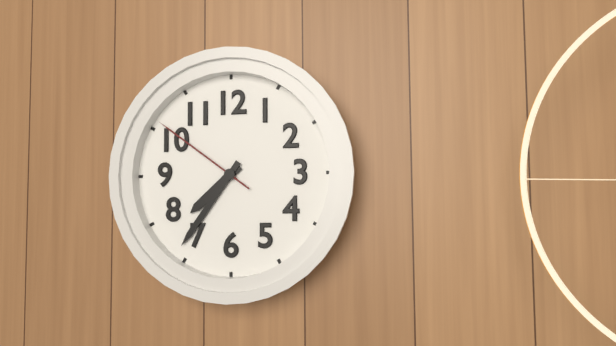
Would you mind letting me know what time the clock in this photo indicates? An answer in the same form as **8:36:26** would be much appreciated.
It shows **7:36:51**
